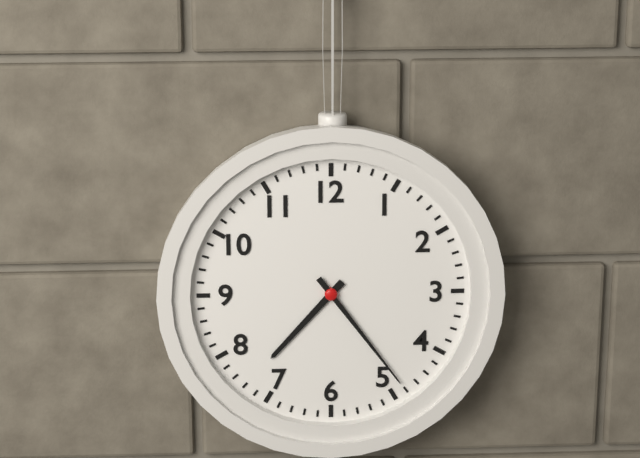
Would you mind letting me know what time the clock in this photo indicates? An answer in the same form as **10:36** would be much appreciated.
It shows **7:24**
